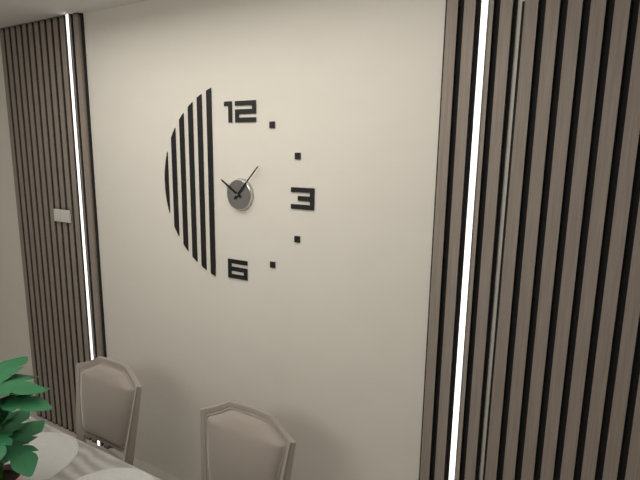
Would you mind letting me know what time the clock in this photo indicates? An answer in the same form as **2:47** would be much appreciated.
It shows **10:07**
